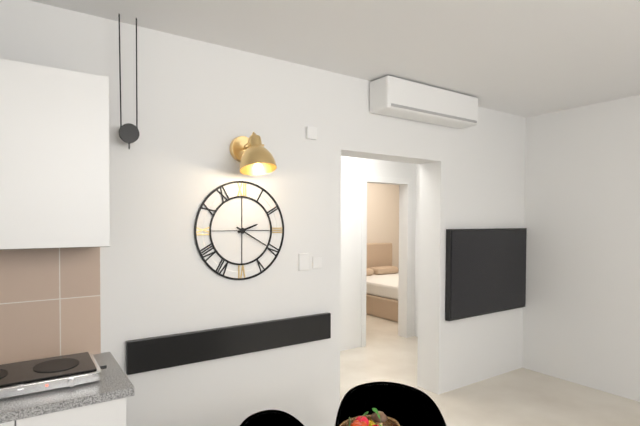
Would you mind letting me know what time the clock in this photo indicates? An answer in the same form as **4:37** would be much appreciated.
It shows **2:20**
